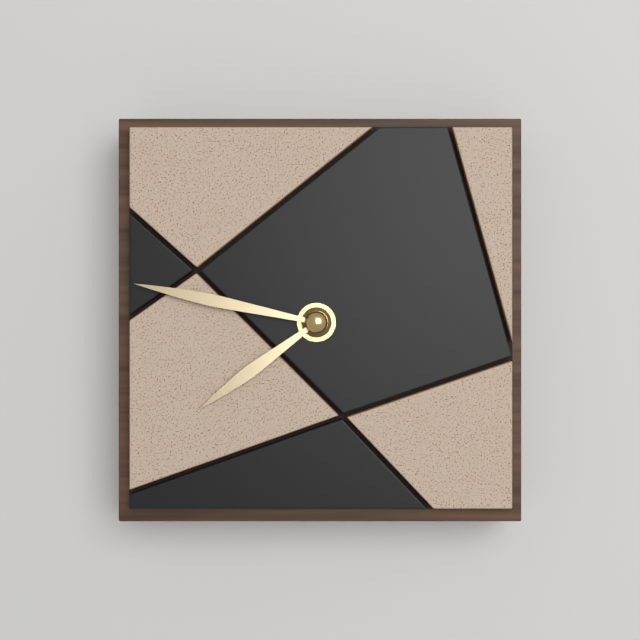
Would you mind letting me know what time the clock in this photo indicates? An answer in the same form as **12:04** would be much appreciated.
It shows **7:47**
